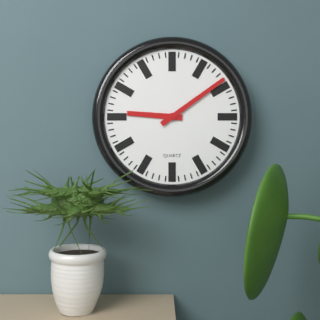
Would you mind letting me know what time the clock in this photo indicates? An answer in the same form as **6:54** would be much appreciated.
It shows **9:09**
